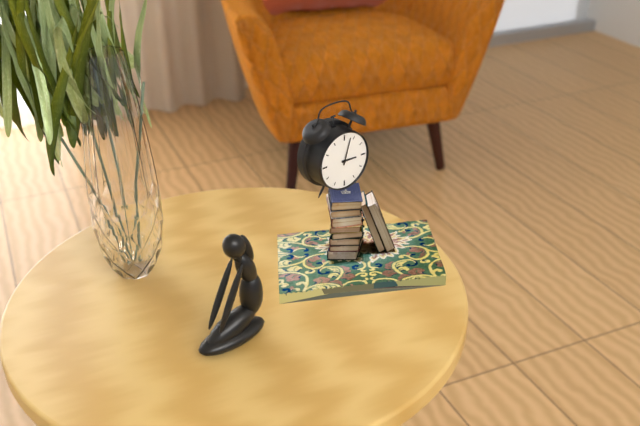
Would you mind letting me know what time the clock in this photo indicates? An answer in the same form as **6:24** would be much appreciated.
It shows **3:03**
